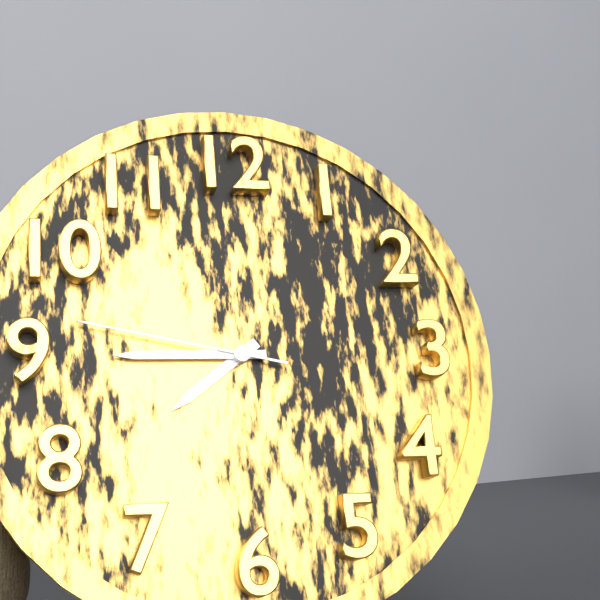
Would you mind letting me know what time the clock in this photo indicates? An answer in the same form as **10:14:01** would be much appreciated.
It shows **7:45:47**
